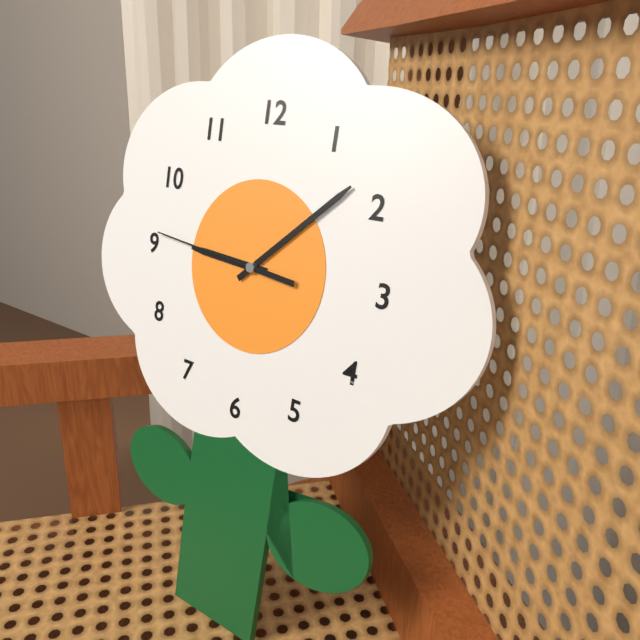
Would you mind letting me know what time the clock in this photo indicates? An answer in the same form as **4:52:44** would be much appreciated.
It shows **9:08:46**
